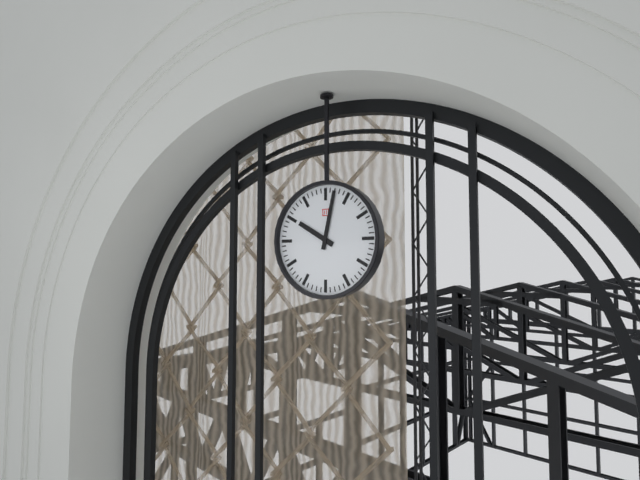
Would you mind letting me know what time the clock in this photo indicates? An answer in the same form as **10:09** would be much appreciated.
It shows **10:02**
